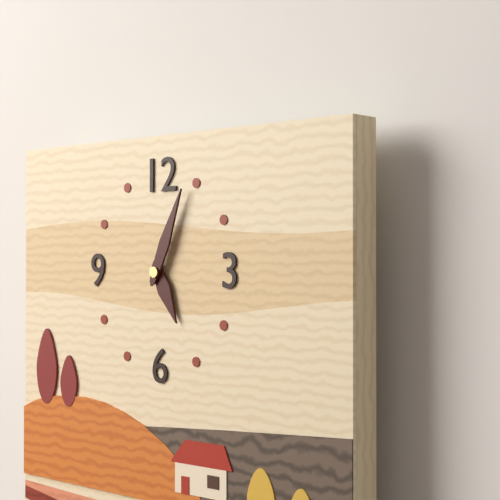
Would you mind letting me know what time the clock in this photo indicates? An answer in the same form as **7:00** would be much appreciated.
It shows **5:04**
